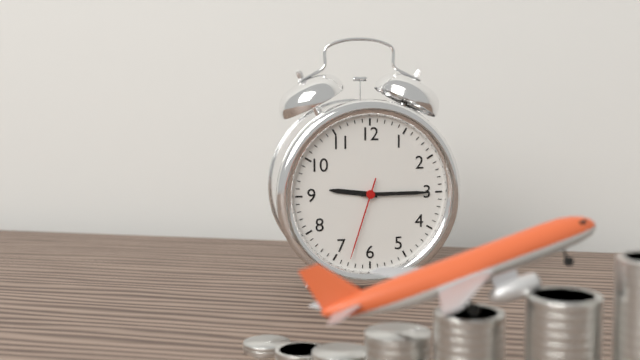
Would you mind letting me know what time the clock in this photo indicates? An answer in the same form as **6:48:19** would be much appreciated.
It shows **9:15:33**
